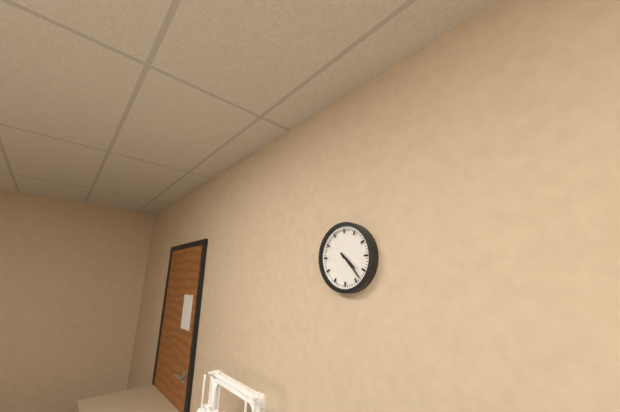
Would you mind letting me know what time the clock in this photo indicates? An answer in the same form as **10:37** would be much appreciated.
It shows **4:23**
